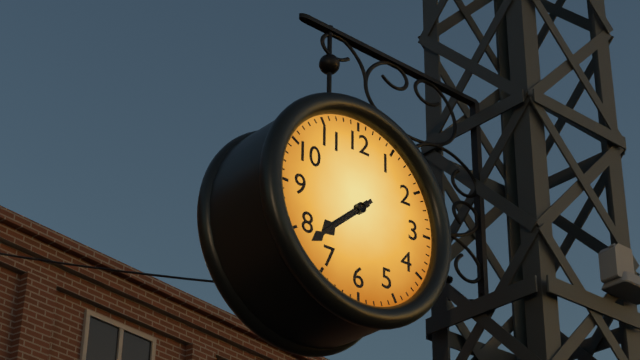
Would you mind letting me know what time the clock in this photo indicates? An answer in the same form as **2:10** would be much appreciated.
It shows **7:38**
